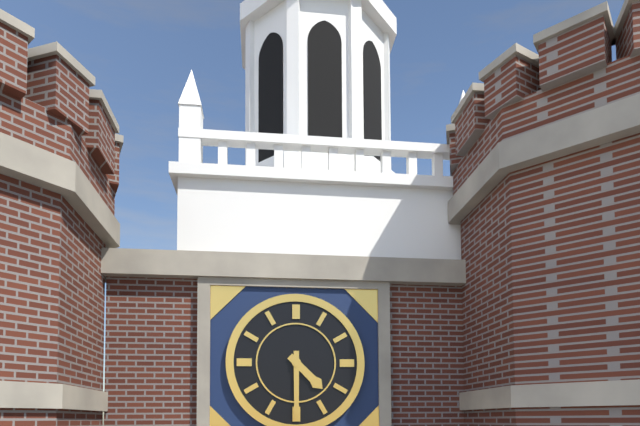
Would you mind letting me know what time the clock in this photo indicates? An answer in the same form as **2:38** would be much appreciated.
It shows **4:30**
